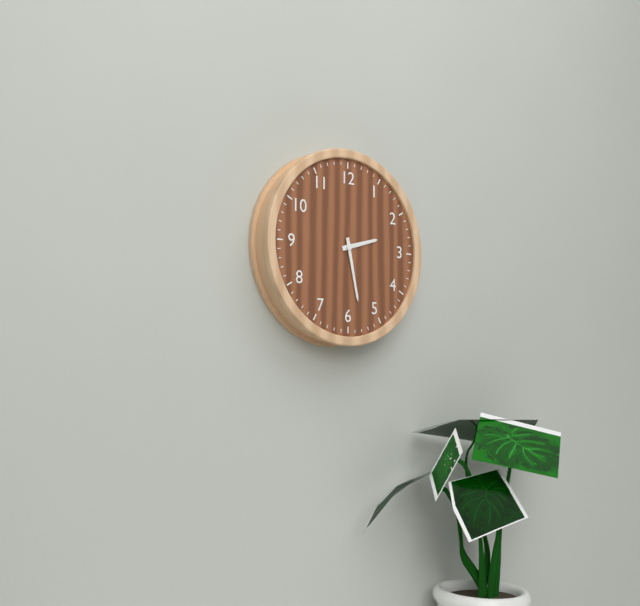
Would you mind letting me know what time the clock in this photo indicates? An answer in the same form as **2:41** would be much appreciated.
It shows **2:28**
